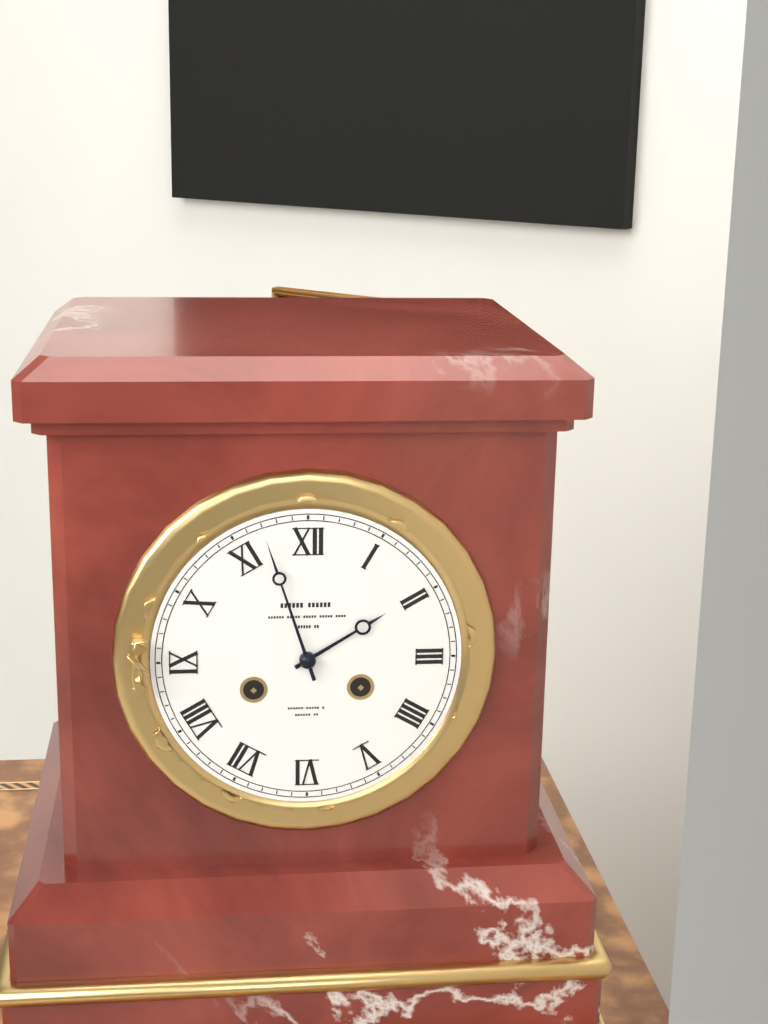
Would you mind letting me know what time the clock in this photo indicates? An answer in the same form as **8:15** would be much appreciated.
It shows **1:57**
